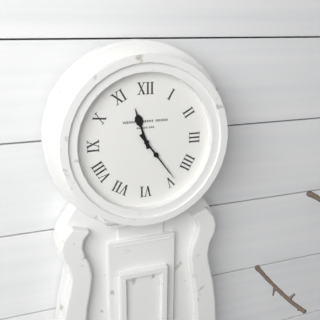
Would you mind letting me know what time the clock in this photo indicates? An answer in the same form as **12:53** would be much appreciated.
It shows **11:24**
